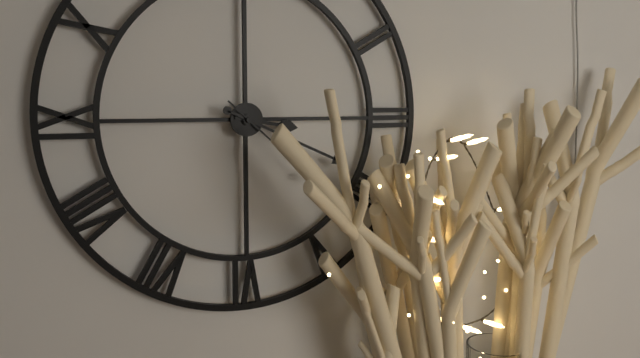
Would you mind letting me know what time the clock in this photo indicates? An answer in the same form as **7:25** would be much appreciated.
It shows **3:19**
